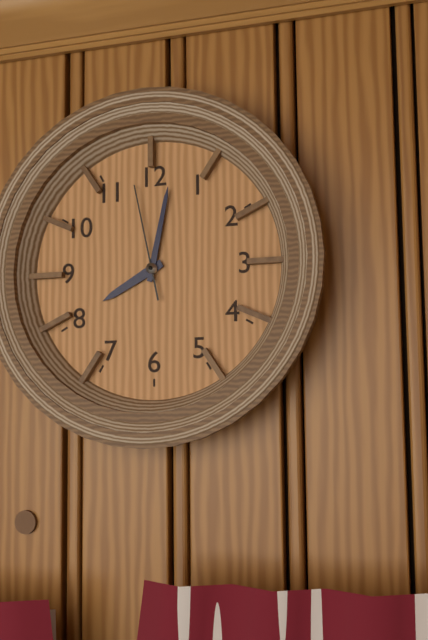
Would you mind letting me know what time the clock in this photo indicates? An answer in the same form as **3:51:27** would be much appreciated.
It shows **8:02:58**
